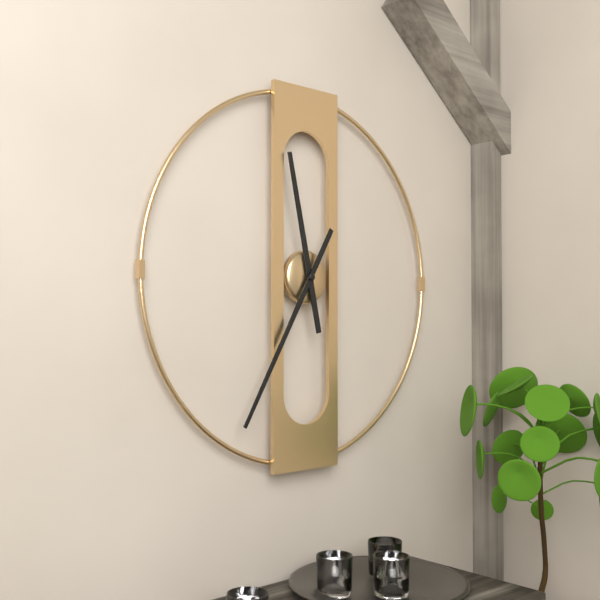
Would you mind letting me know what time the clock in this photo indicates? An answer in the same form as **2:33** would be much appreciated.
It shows **11:35**
